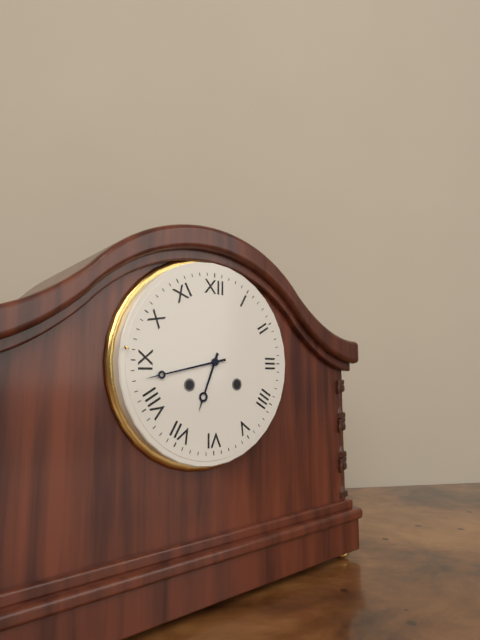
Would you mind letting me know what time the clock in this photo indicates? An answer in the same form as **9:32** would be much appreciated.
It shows **6:43**
